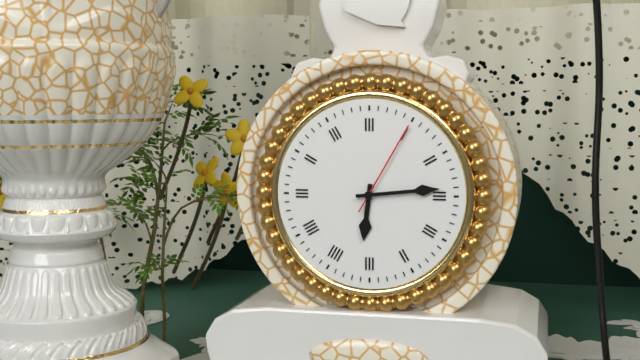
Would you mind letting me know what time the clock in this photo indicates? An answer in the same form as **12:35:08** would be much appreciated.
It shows **6:14:05**
